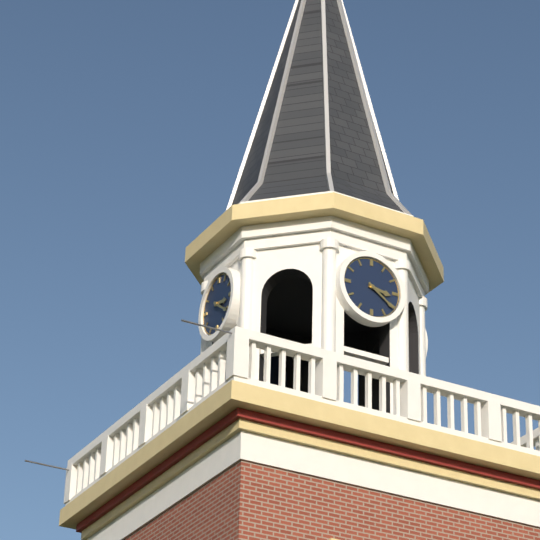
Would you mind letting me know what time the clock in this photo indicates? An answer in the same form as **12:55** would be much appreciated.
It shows **3:21**
